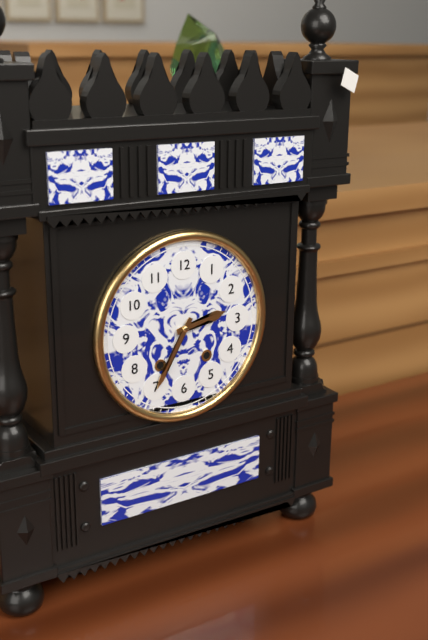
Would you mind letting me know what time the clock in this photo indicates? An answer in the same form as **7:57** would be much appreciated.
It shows **2:35**
